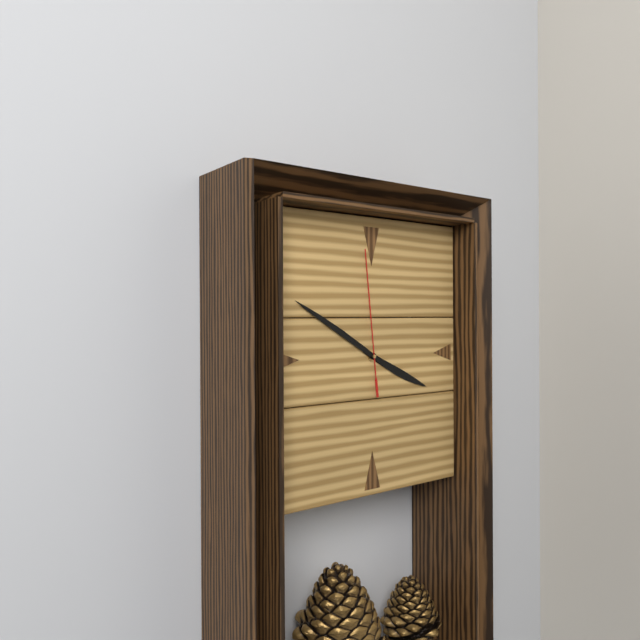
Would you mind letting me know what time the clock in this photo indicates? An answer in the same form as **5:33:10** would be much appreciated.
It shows **3:50:59**
